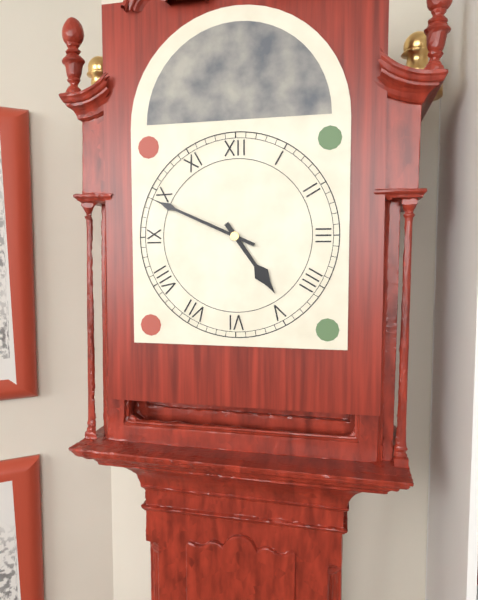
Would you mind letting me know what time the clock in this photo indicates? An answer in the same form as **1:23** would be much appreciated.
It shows **4:49**
